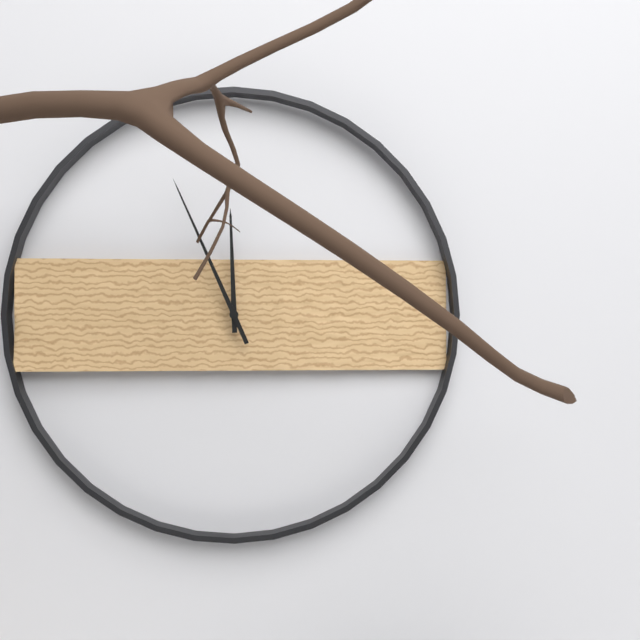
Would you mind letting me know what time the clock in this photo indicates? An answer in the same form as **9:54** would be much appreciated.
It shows **11:56**
